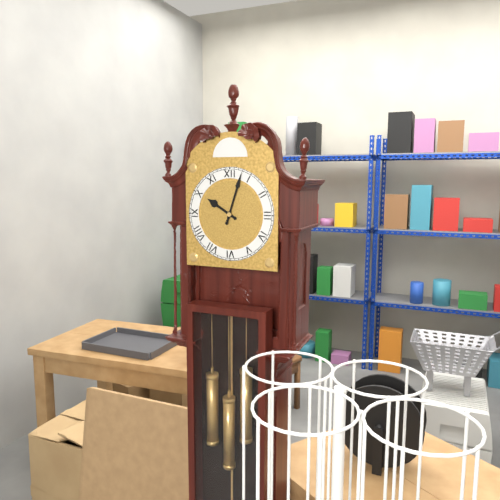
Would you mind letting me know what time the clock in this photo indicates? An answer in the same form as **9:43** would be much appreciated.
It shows **10:03**
